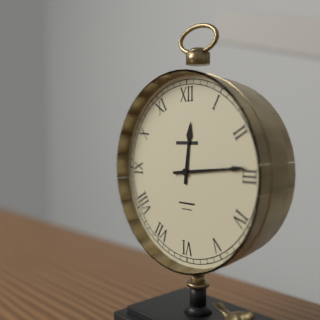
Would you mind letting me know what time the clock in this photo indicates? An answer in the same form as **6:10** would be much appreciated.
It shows **12:14**
